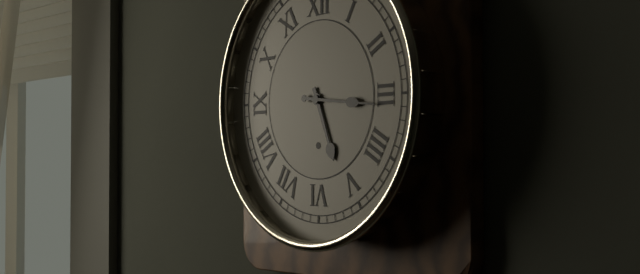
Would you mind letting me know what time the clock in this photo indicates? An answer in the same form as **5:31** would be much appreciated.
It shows **5:16**
